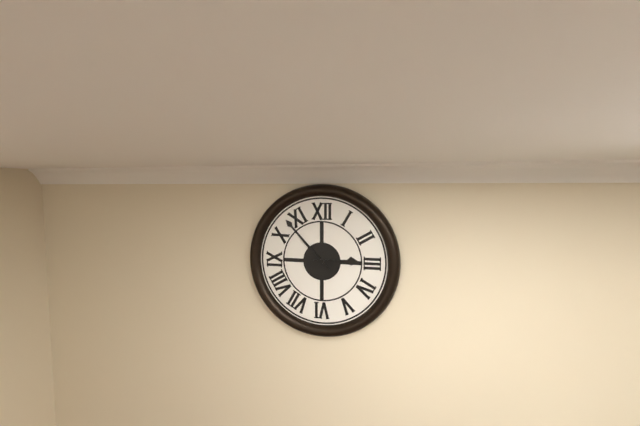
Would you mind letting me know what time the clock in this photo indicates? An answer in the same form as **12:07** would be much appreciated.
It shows **2:53**
